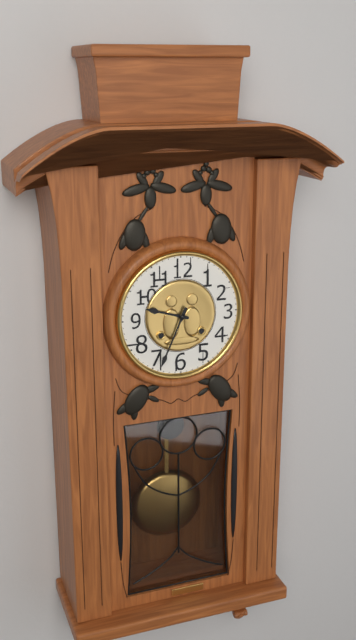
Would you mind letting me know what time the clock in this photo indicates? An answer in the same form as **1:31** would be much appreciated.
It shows **9:34**
